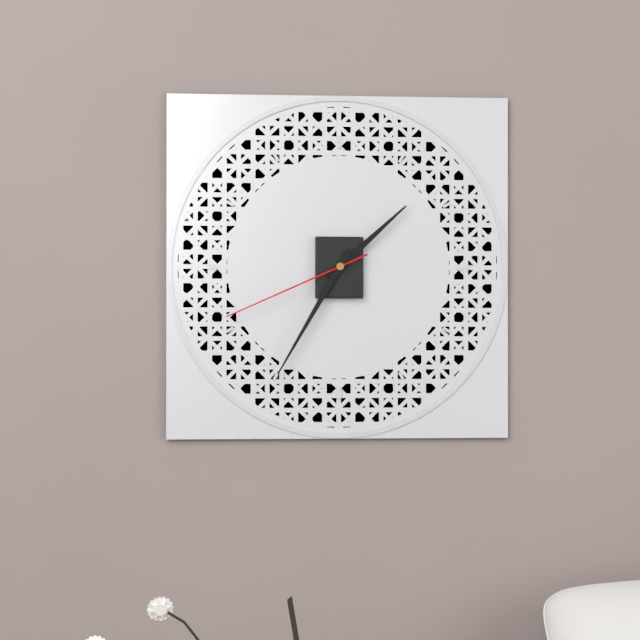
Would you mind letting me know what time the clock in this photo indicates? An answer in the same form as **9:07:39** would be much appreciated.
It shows **1:35:41**
